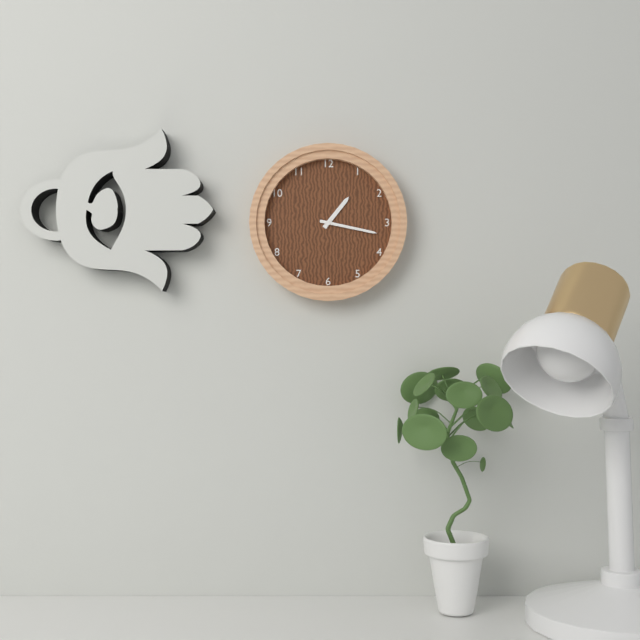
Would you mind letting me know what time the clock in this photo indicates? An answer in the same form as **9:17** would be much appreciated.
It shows **1:17**
